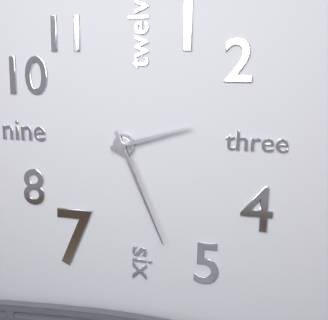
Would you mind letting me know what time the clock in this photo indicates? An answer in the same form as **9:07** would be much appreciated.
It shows **2:26**
